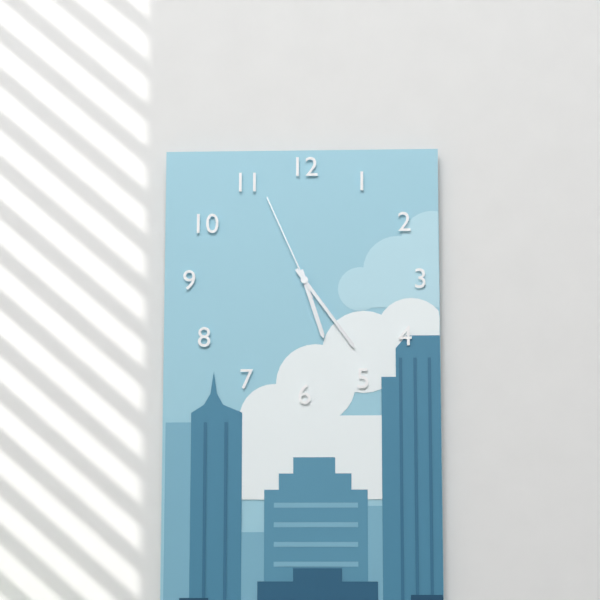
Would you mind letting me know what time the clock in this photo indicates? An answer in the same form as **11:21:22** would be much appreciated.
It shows **5:24:56**
